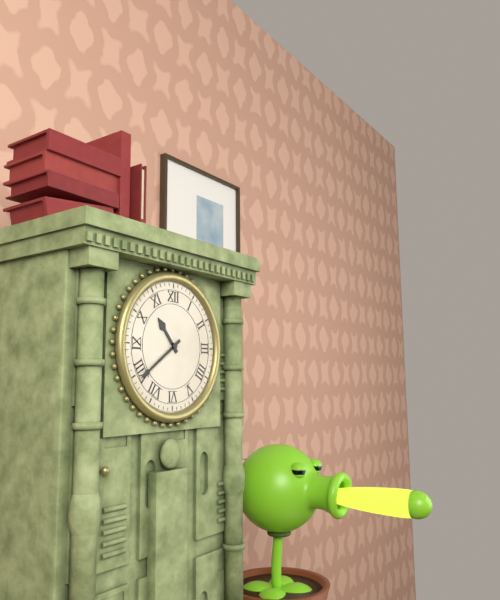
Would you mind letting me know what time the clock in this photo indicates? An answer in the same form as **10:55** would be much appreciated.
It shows **10:39**
